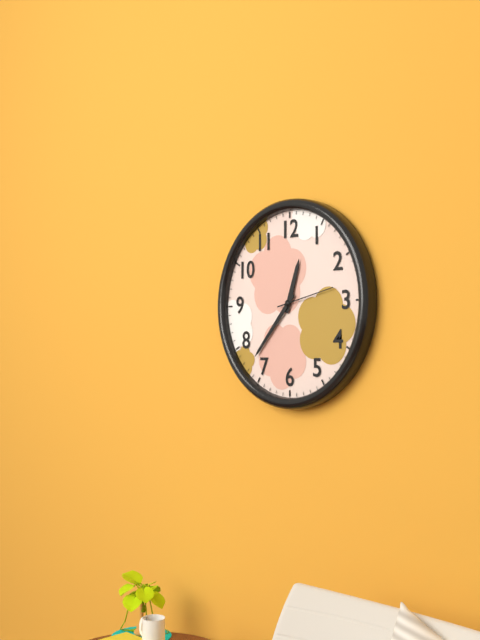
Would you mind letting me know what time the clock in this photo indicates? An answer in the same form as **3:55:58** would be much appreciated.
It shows **12:37:13**
